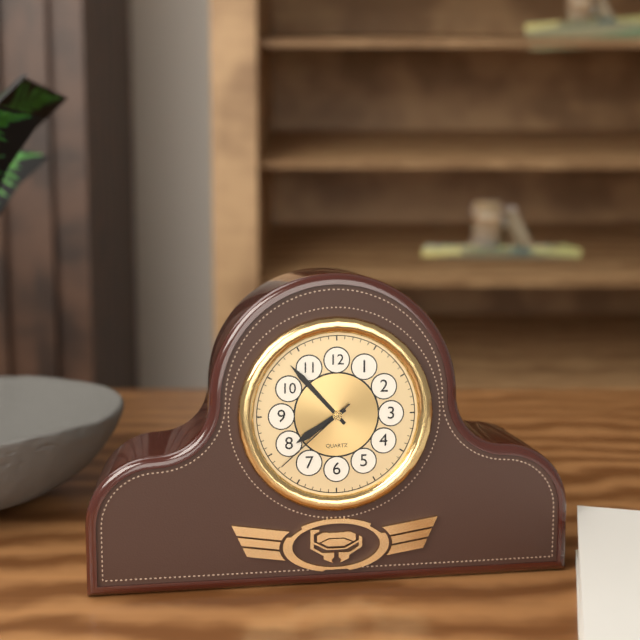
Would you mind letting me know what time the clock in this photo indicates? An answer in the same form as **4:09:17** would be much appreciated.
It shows **7:53:38**
